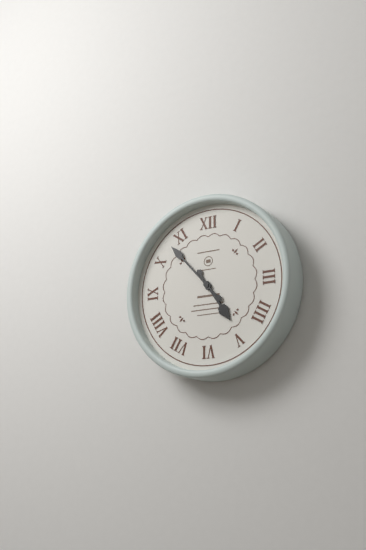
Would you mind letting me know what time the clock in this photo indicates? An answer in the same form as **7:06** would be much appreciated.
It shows **4:53**
